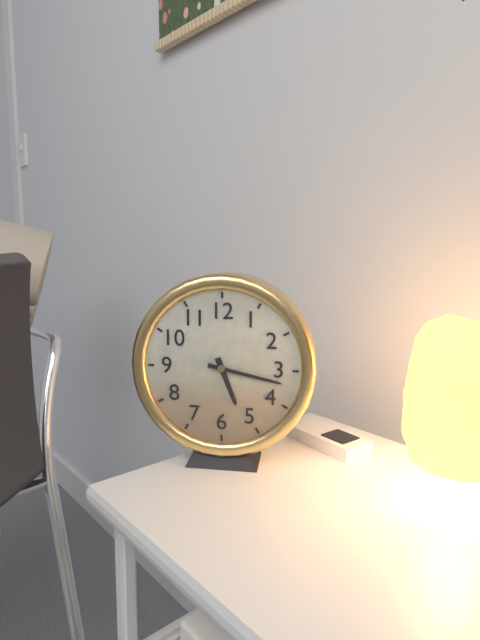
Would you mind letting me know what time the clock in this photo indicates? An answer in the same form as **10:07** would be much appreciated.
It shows **5:17**
